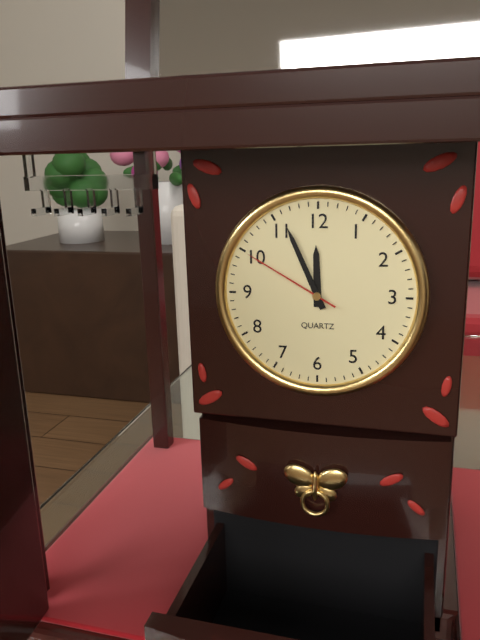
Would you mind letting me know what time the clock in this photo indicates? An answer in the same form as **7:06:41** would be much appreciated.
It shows **11:56:50**
